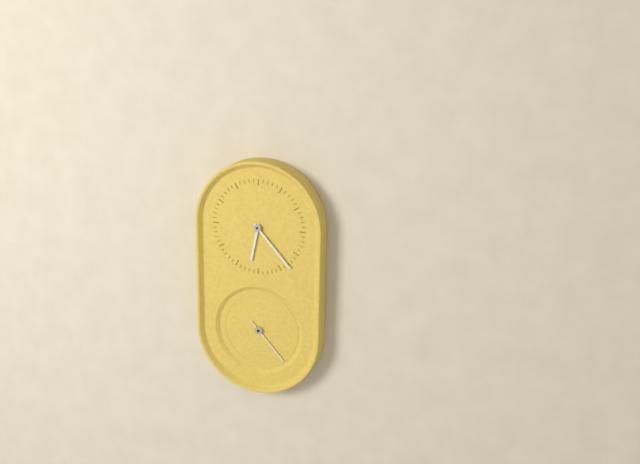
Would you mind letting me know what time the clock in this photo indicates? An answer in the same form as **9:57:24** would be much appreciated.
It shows **6:23:23**
